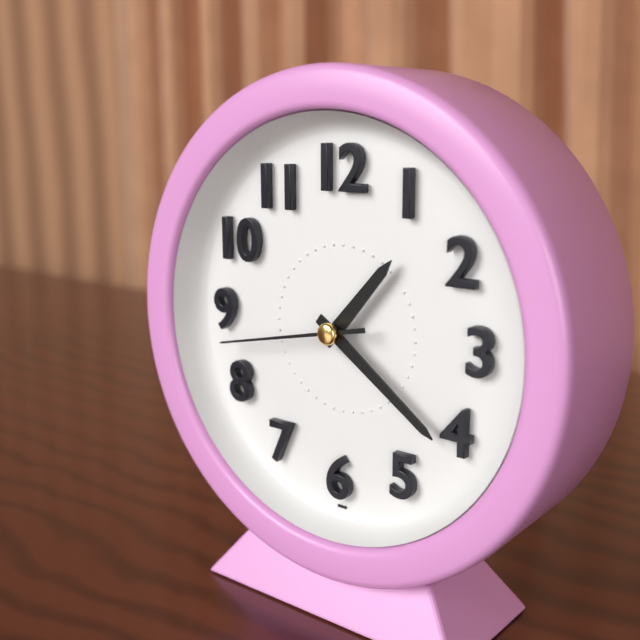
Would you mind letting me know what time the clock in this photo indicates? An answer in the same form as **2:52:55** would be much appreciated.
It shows **1:21:43**
